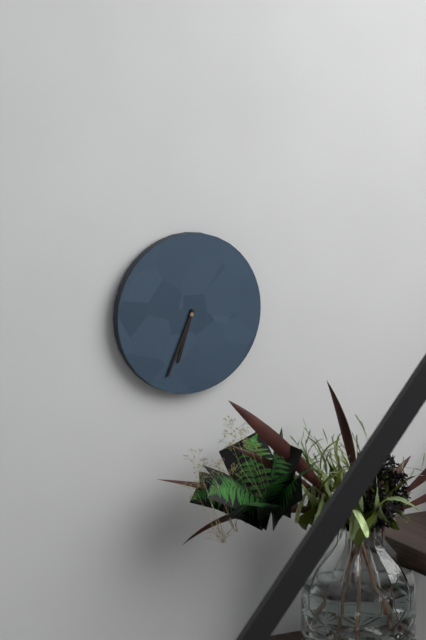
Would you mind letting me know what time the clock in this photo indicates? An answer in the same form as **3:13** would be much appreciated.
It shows **6:34**
